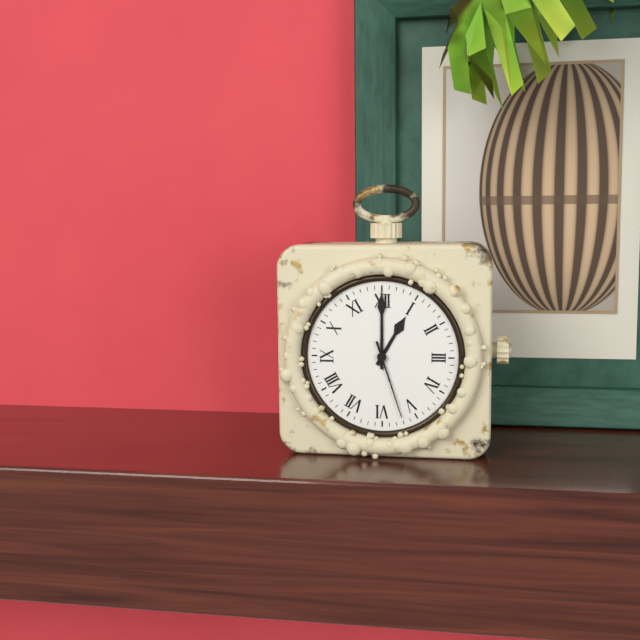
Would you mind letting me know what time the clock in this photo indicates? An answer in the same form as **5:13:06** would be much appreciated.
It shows **1:00:27**
